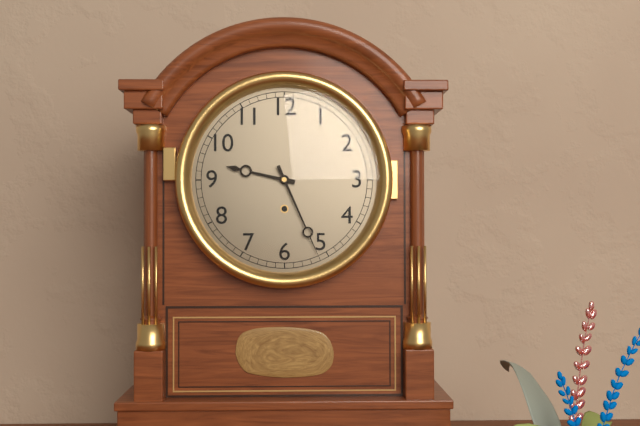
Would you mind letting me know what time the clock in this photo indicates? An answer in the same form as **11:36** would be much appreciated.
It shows **9:26**
